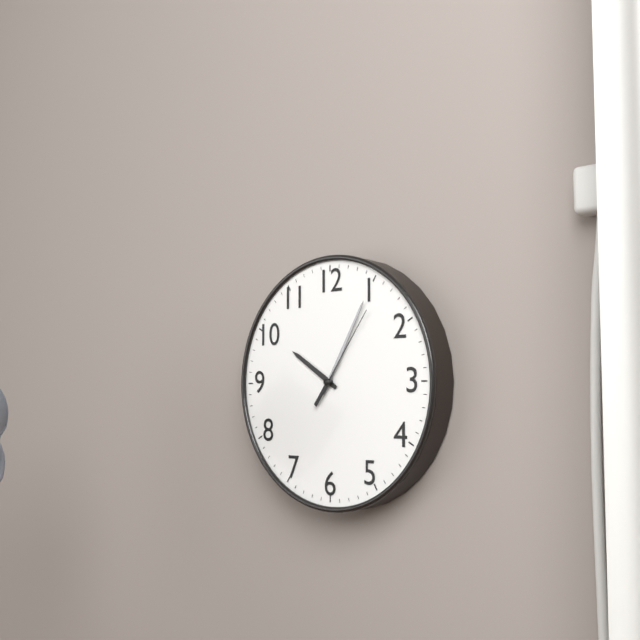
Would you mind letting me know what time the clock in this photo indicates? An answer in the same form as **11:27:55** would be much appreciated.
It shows **10:05:06**
